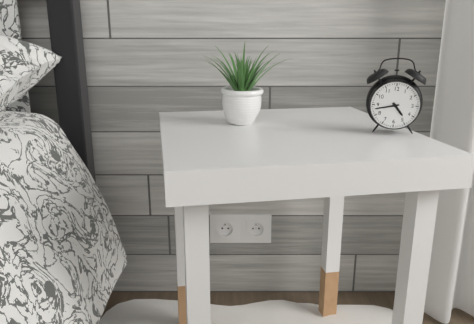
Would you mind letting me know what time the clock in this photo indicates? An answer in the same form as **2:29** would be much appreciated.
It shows **4:43**
